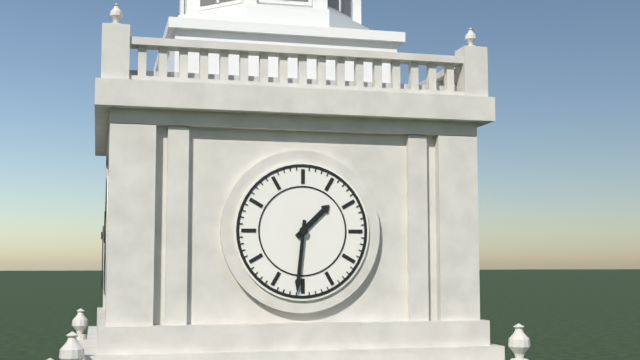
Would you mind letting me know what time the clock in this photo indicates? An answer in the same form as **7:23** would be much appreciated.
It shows **1:31**
